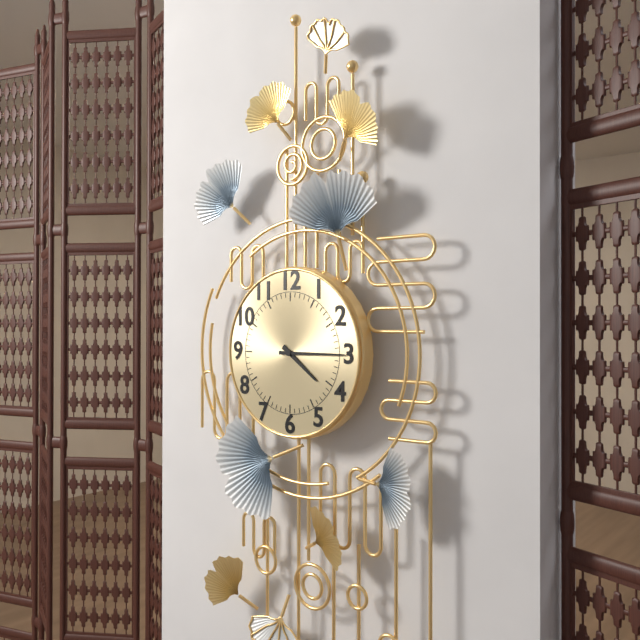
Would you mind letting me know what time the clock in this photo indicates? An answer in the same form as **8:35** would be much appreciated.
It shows **4:15**
